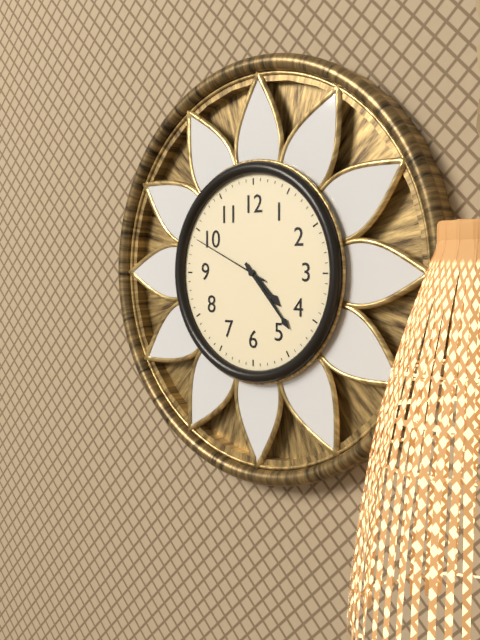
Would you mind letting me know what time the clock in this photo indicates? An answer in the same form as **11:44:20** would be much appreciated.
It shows **4:23:49**
